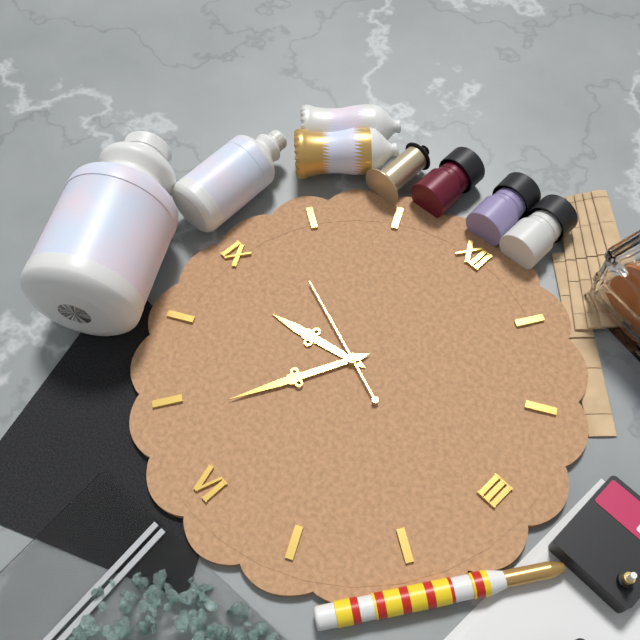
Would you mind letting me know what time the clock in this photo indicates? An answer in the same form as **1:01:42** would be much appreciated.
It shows **8:34:48**
